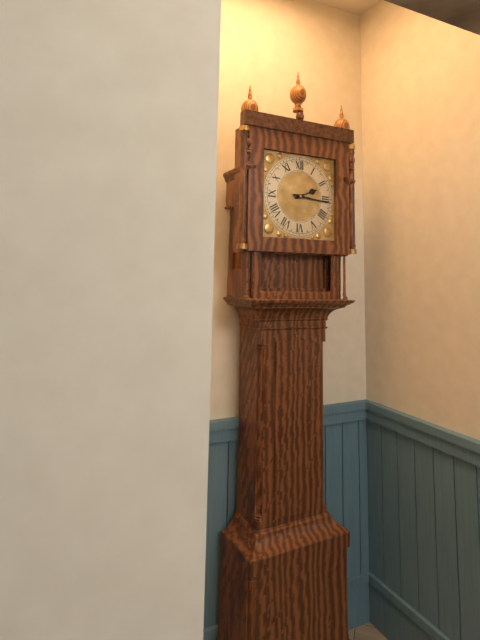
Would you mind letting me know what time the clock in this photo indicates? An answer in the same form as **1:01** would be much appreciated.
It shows **2:16**
